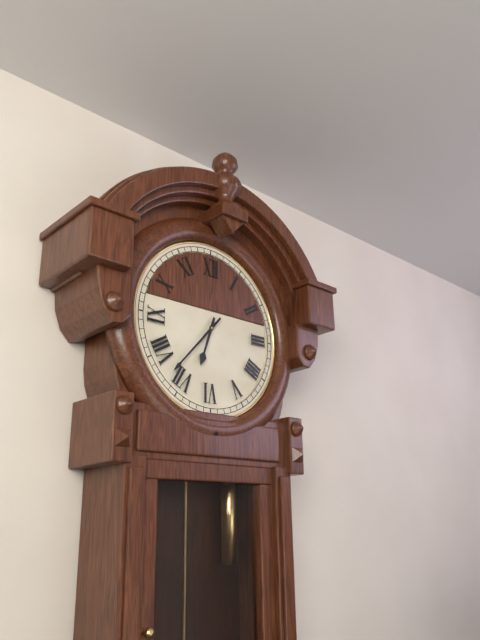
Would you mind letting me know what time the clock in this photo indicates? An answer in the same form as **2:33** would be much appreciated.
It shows **6:37**
